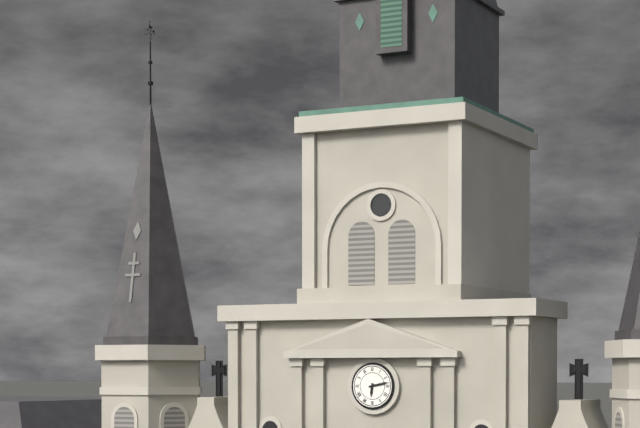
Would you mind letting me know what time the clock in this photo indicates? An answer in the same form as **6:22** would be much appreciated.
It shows **6:13**
